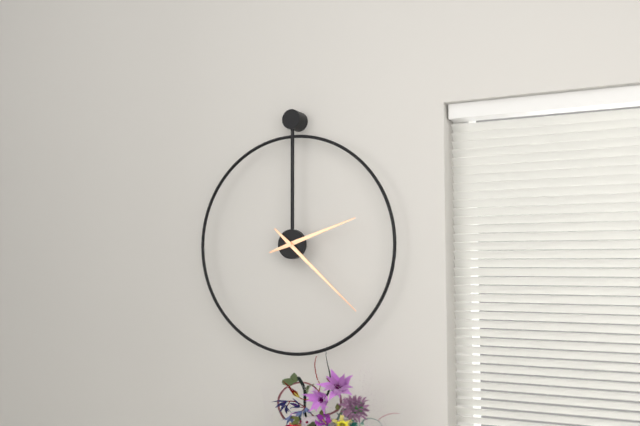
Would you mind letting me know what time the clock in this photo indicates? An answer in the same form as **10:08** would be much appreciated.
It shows **2:22**
